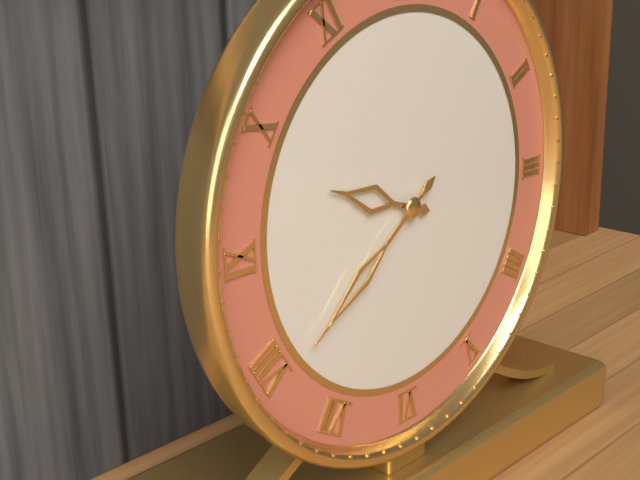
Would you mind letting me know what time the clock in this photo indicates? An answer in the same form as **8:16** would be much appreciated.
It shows **9:39**
